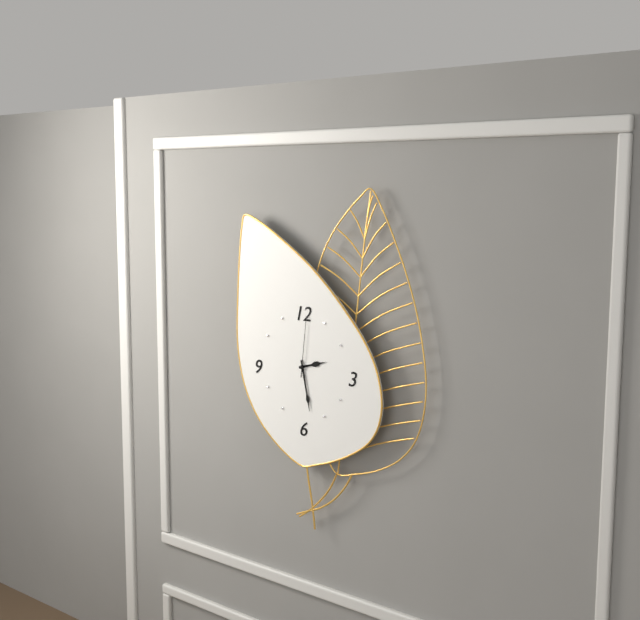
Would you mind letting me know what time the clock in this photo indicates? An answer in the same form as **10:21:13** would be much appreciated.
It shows **2:28:01**
